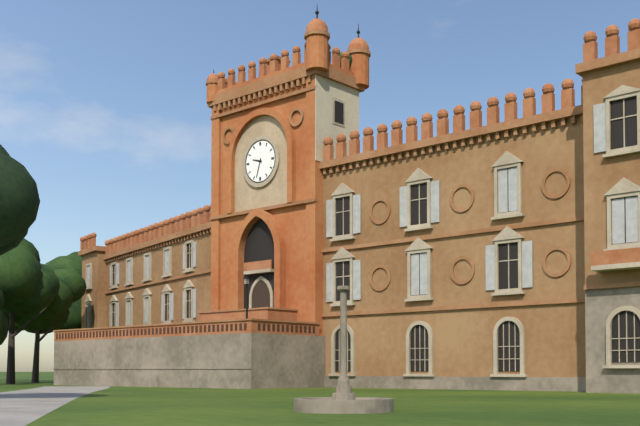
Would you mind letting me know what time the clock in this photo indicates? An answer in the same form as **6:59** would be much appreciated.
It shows **9:33**
